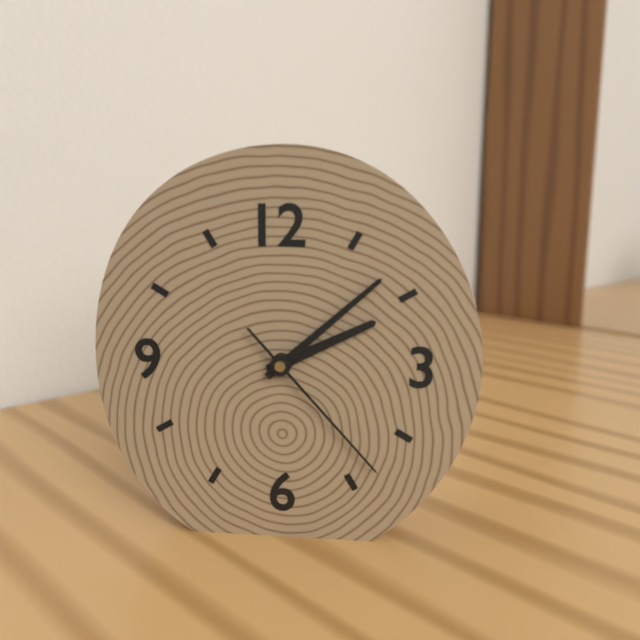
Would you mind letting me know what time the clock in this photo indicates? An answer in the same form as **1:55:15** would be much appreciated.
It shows **2:08:23**
